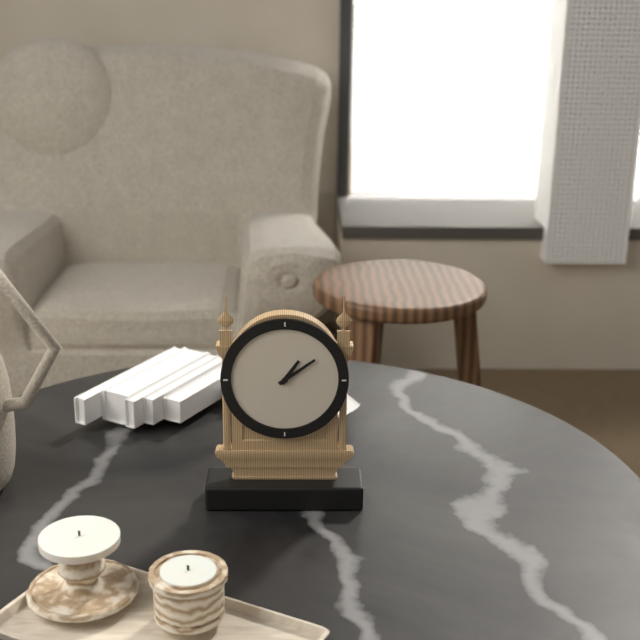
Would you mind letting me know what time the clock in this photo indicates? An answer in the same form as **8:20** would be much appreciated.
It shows **1:09**
